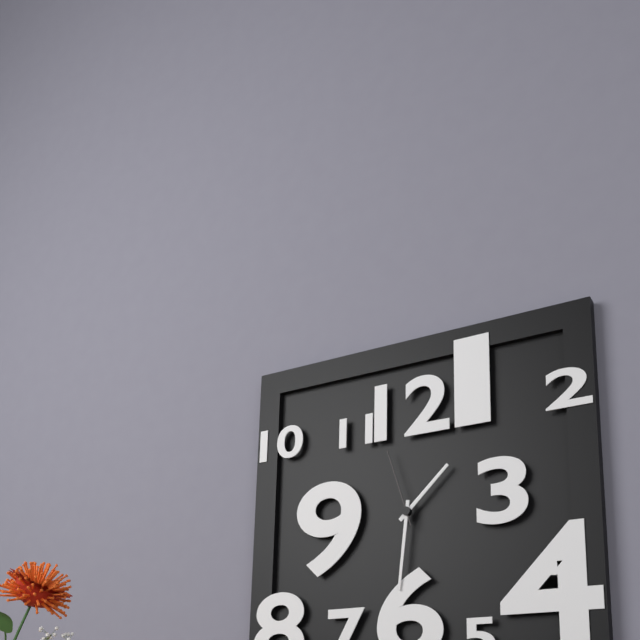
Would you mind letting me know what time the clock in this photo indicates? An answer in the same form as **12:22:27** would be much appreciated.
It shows **1:31:57**
